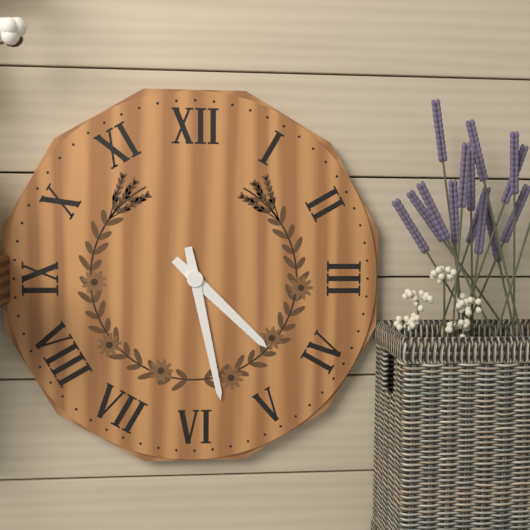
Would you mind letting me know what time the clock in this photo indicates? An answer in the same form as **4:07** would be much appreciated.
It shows **4:28**
